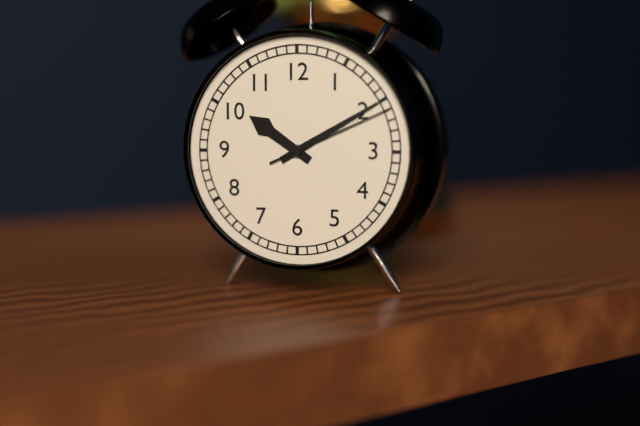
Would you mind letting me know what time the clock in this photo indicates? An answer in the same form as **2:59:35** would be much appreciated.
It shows **10:10:11**
